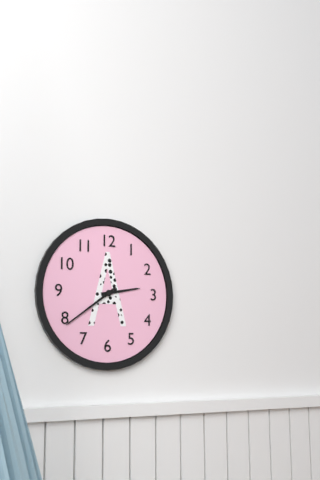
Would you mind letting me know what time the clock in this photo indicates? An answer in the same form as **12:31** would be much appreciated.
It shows **2:39**
